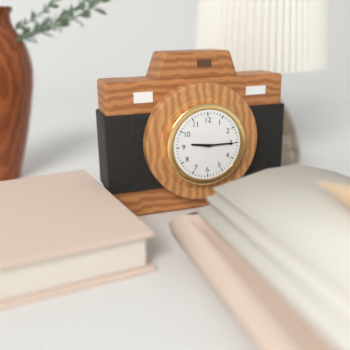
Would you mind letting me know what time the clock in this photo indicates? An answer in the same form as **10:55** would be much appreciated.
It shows **9:15**
